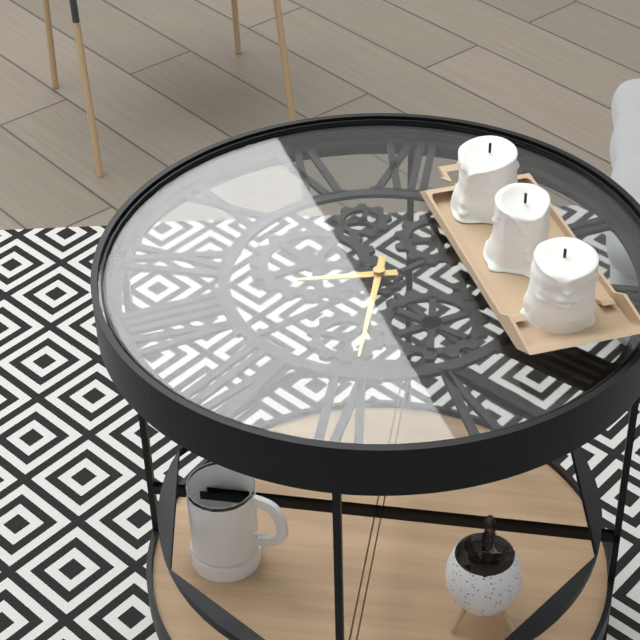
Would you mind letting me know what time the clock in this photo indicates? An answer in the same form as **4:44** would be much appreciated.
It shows **8:30**
